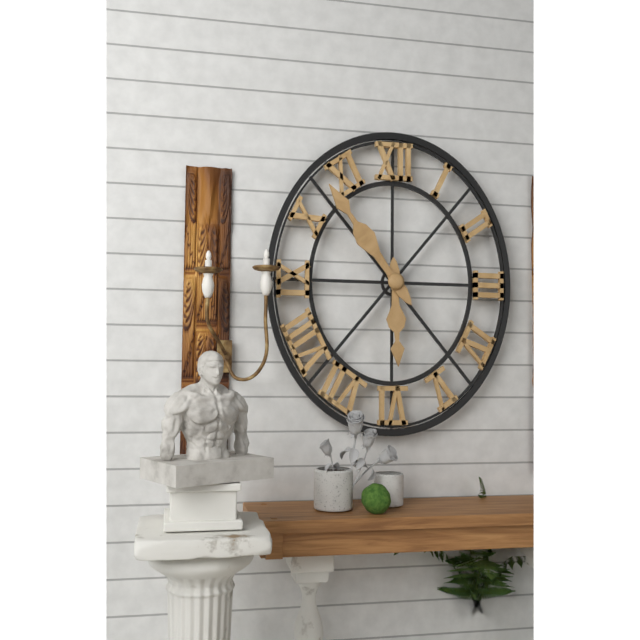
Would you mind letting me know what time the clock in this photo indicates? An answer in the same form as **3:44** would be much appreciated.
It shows **5:54**
